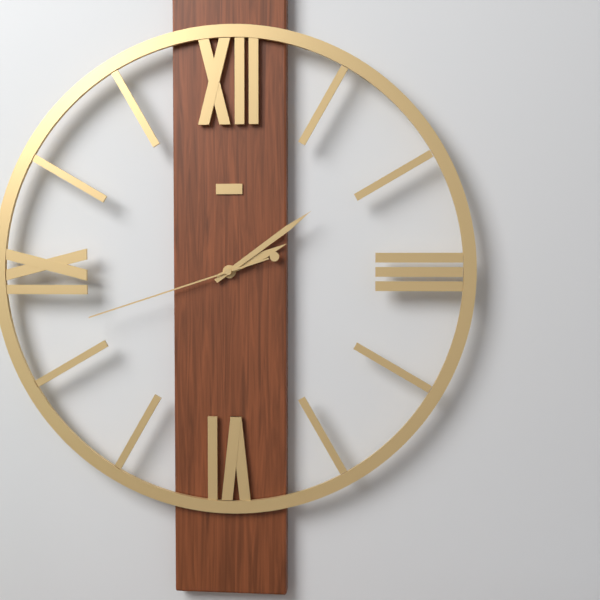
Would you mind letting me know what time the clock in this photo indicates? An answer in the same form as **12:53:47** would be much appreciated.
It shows **2:09:42**
